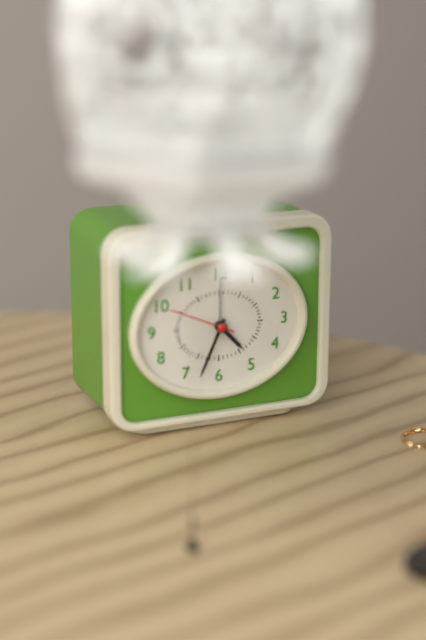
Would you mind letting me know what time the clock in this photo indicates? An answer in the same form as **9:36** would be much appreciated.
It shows **4:34**
